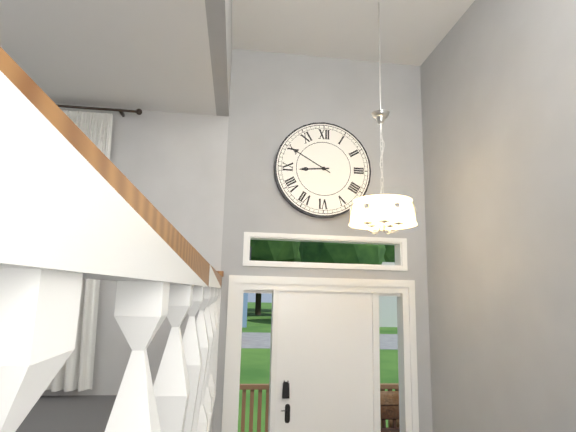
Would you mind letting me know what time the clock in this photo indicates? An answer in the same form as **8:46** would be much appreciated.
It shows **8:50**
